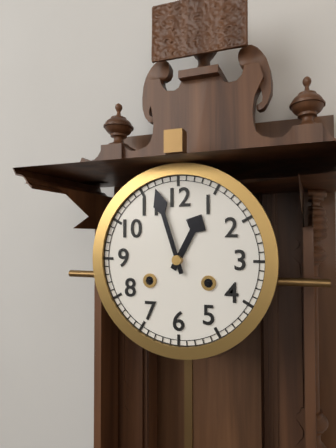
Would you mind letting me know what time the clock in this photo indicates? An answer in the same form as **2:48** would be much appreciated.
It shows **12:57**
